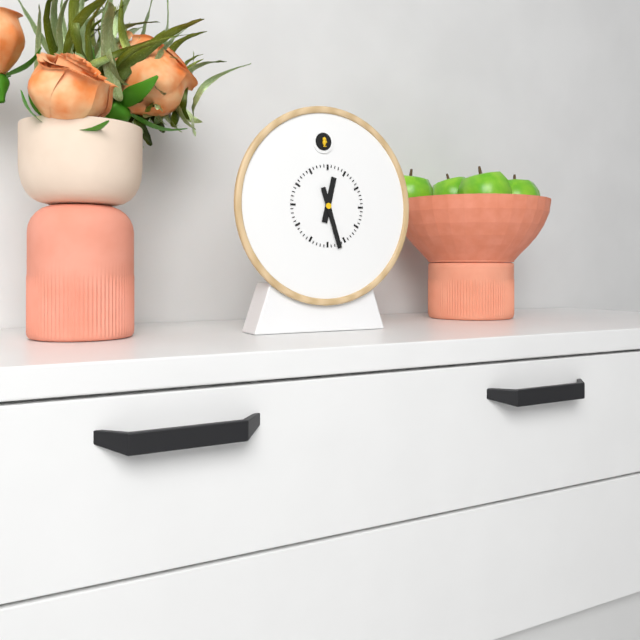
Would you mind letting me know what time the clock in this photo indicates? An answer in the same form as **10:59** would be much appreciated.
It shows **12:27**
